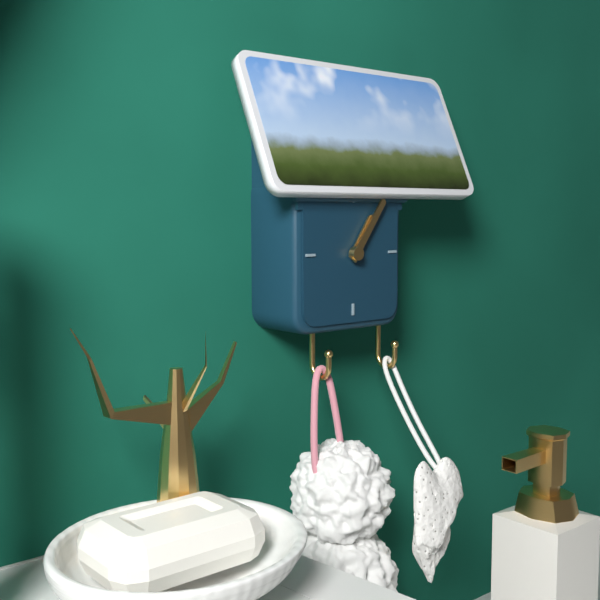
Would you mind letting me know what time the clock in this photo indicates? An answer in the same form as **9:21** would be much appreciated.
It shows **1:06**
